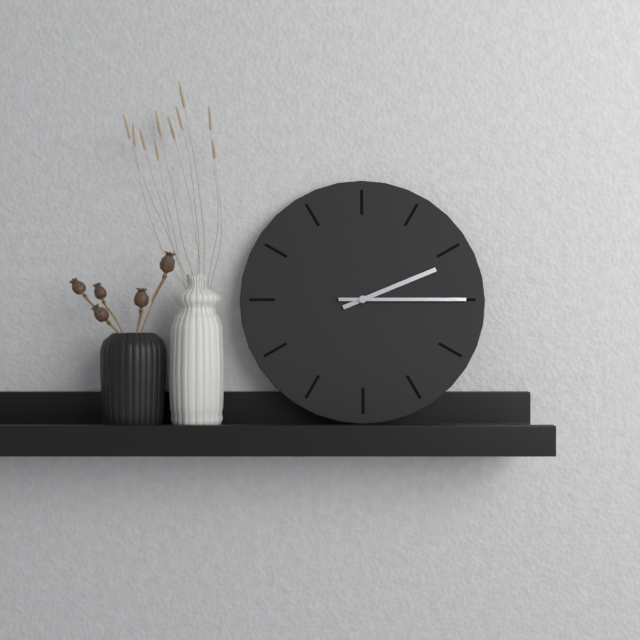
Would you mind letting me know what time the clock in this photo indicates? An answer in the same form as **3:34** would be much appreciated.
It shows **2:15**
